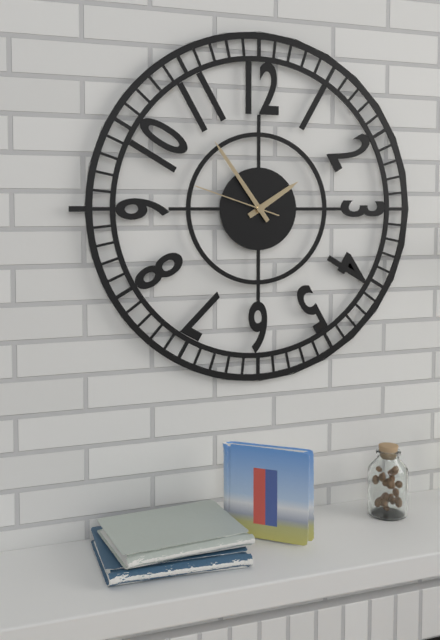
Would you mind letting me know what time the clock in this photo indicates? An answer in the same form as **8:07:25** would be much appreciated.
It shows **1:54:48**
